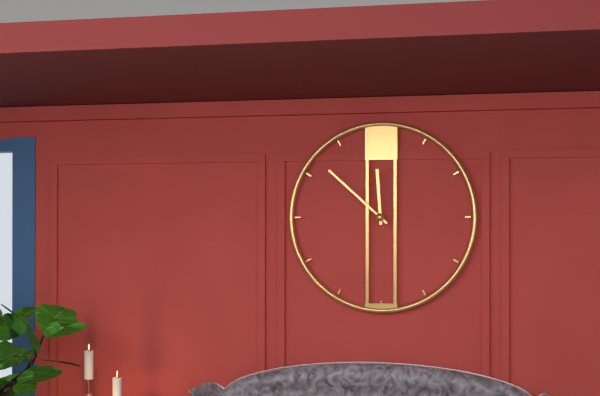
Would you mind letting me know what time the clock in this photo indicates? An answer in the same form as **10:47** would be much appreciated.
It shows **11:52**
